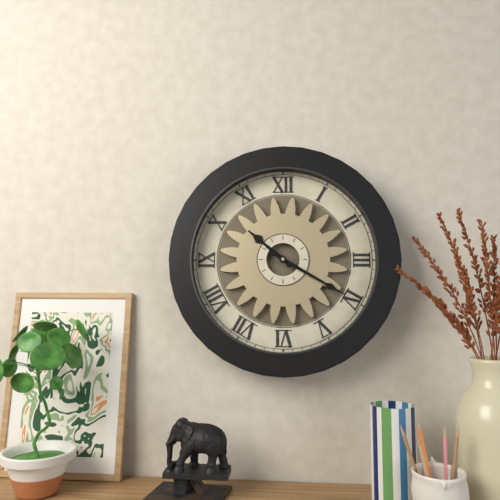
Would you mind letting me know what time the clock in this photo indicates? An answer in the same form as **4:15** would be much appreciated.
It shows **10:20**
